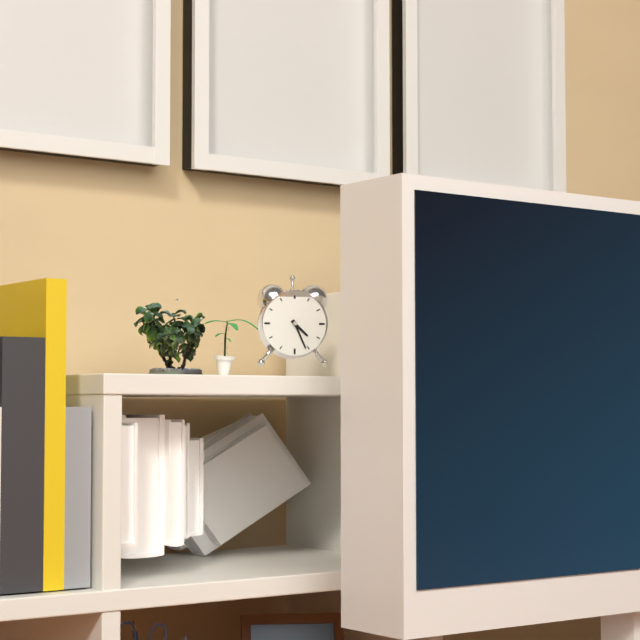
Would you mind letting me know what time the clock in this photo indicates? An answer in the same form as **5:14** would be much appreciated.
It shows **4:26**
